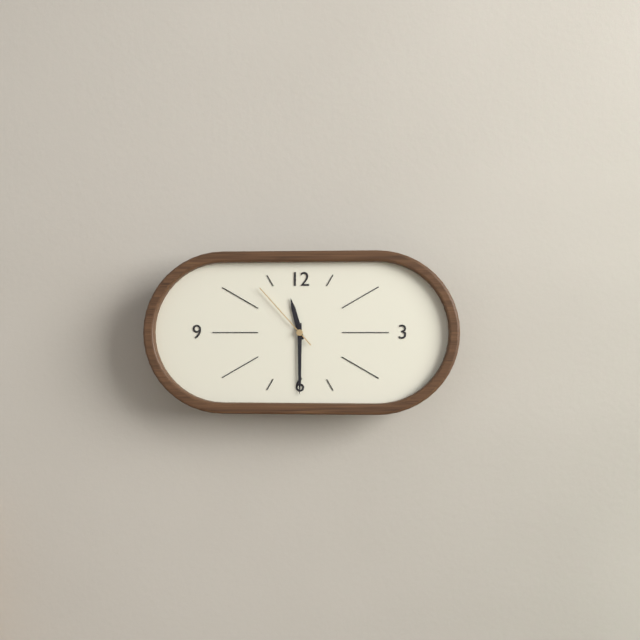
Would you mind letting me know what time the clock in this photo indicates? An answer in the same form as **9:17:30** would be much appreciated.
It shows **11:30:53**
